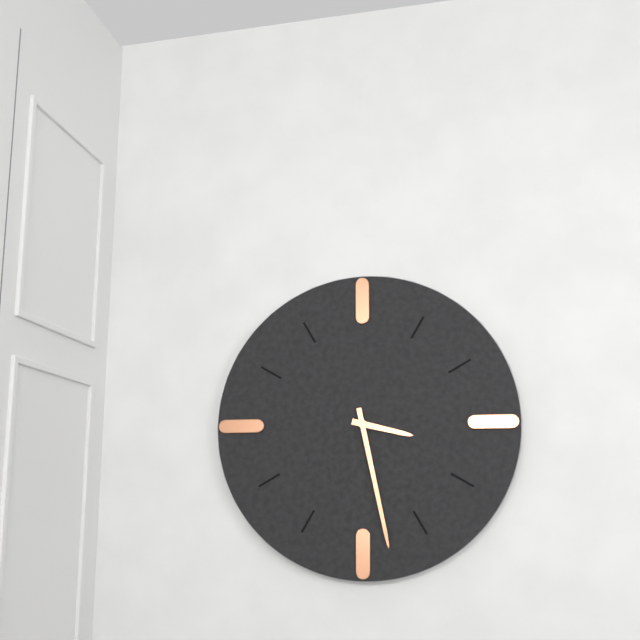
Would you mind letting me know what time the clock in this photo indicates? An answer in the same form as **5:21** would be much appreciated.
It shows **3:28**
